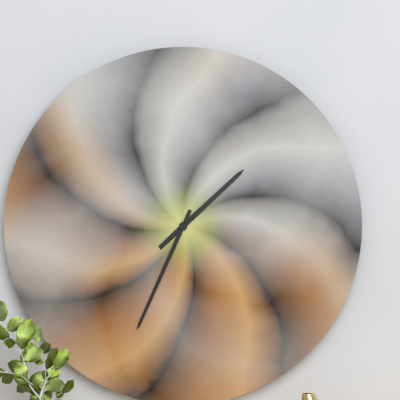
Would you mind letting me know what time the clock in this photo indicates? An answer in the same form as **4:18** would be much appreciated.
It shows **1:34**
